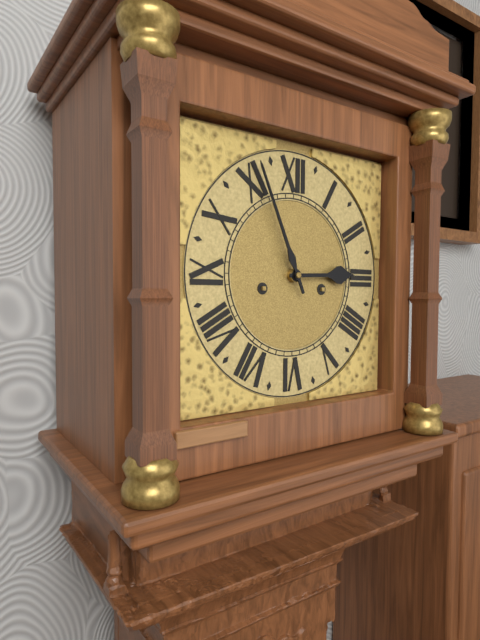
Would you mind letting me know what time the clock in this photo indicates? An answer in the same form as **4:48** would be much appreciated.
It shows **2:56**
